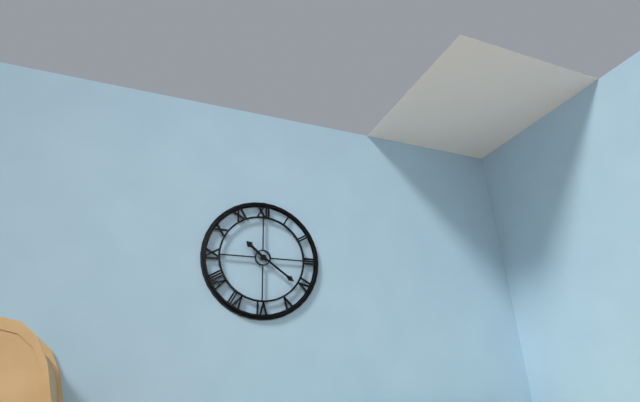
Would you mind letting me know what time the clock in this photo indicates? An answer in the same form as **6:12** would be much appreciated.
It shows **10:21**
